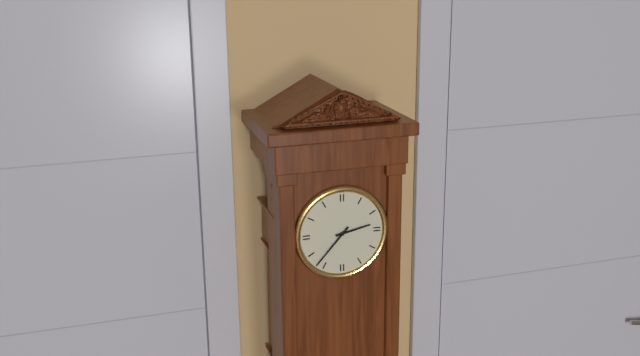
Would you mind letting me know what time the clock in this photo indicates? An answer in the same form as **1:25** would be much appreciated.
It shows **2:37**
